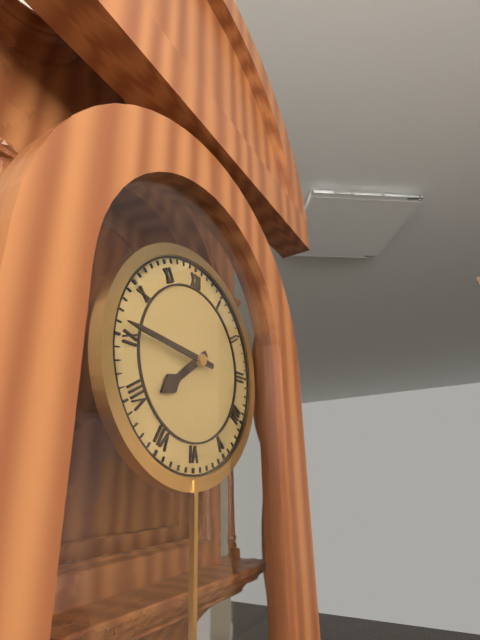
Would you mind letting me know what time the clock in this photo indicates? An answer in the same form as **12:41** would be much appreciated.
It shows **7:46**
